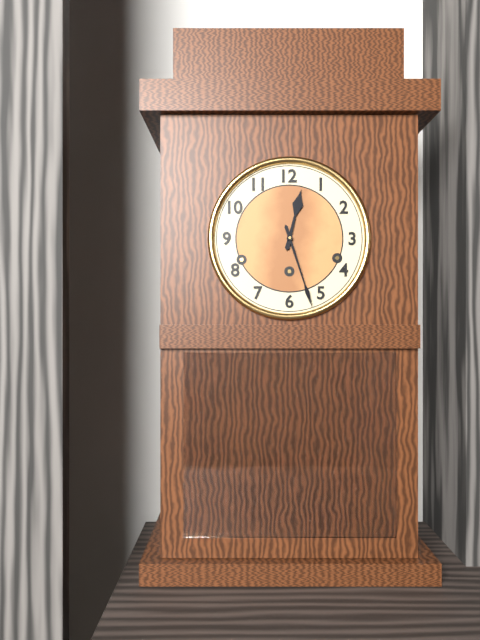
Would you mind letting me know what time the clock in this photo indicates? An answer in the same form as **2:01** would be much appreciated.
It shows **12:27**
